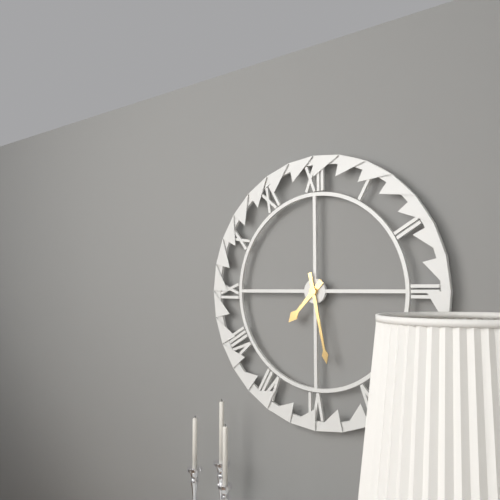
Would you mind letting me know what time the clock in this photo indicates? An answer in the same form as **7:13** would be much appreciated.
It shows **7:28**
